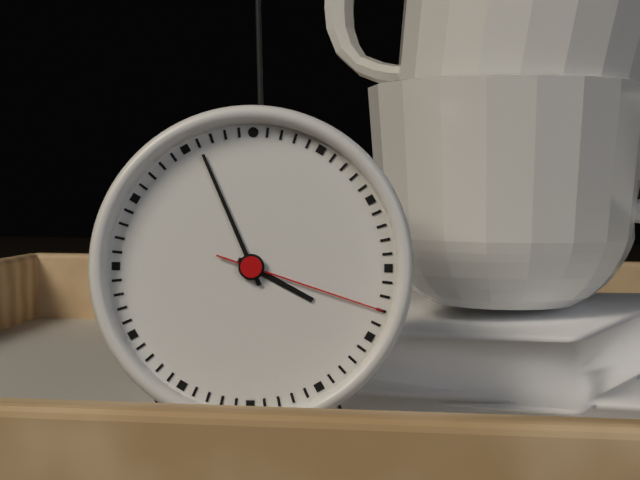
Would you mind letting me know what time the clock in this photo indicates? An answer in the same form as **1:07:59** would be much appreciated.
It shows **3:56:18**
